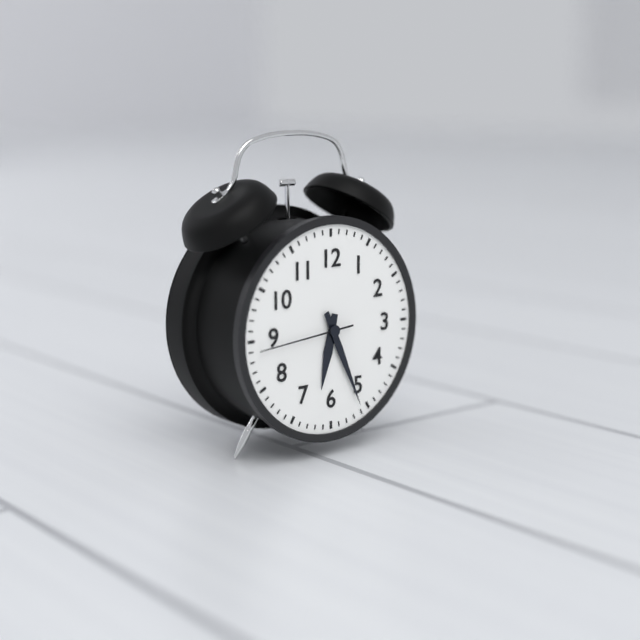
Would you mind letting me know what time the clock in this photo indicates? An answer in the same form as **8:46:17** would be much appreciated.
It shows **6:26:44**
